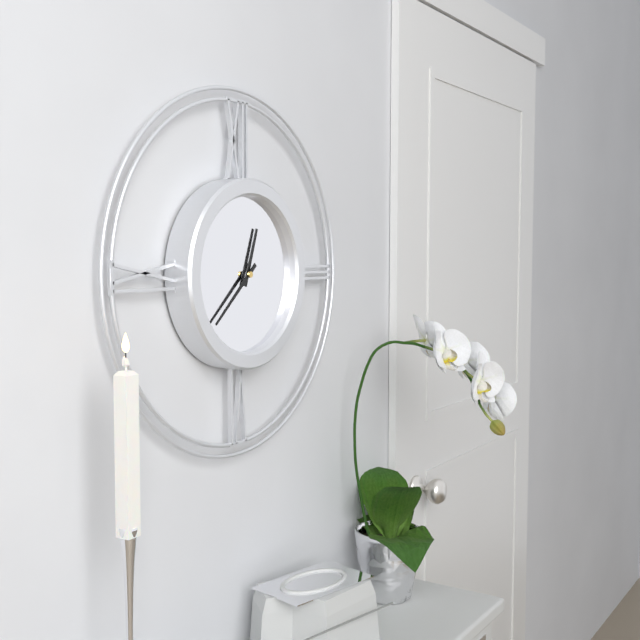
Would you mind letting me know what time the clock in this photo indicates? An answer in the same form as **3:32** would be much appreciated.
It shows **12:38**
